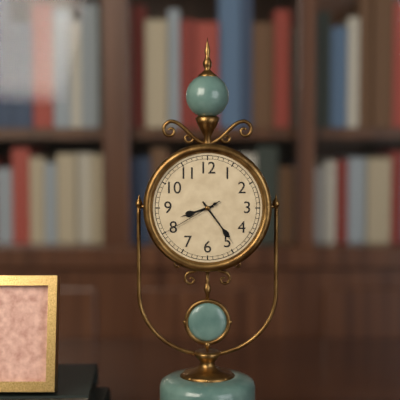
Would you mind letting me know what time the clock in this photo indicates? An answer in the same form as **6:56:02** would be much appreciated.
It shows **8:24:40**
